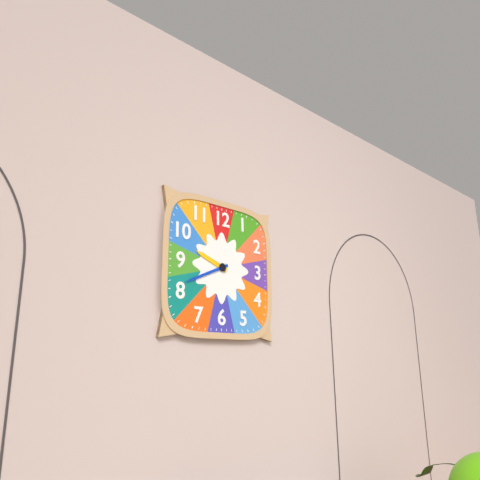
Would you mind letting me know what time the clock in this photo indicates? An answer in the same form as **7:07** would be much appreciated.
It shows **9:41**
